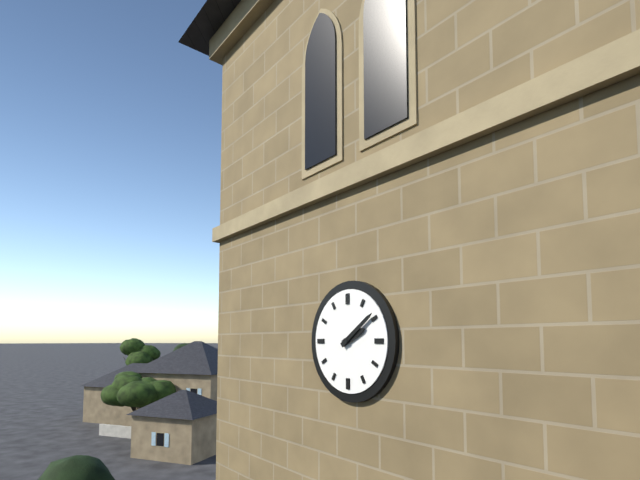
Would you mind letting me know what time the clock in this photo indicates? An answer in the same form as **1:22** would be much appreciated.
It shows **2:09**
